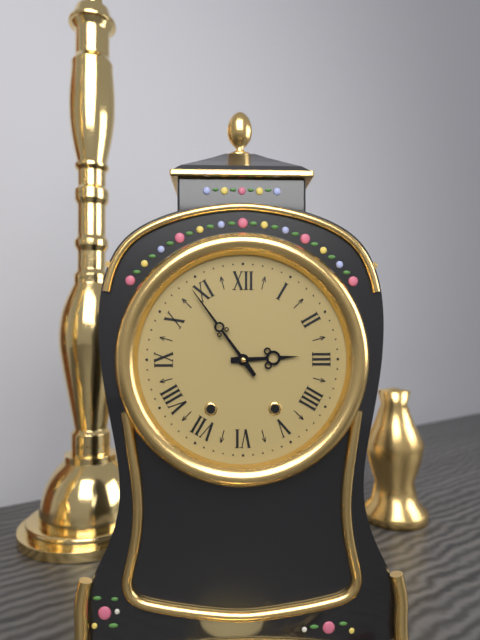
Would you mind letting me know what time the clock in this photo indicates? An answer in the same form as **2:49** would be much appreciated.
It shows **2:54**
